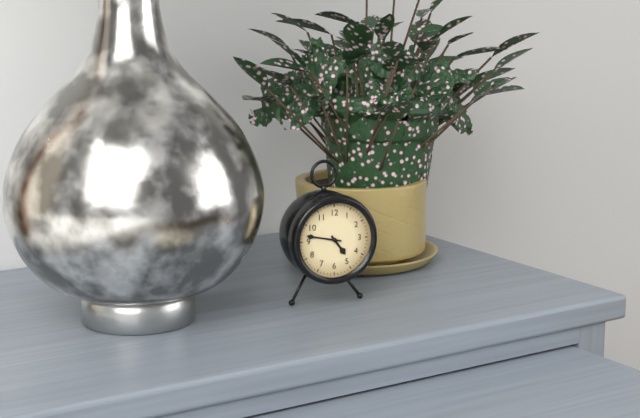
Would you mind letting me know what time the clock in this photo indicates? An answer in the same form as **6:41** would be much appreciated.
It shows **4:47**
